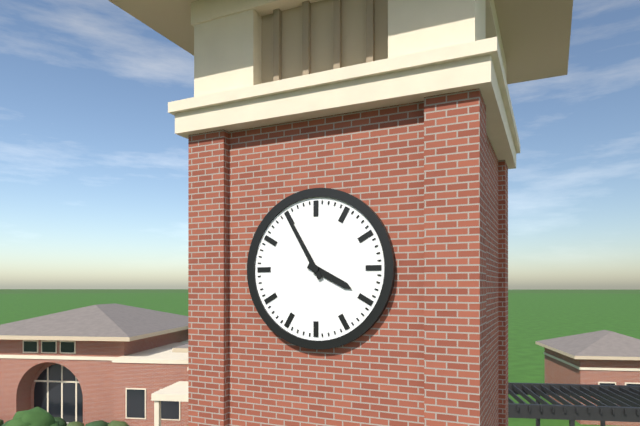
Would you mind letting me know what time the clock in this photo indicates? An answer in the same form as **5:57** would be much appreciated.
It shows **3:55**
